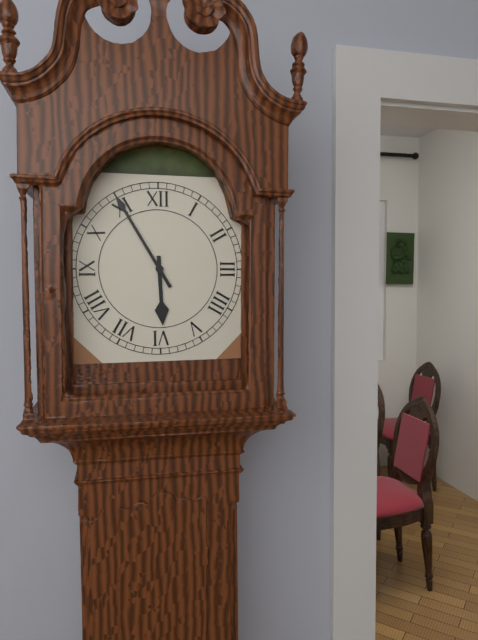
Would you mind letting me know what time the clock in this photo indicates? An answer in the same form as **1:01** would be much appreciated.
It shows **5:55**
